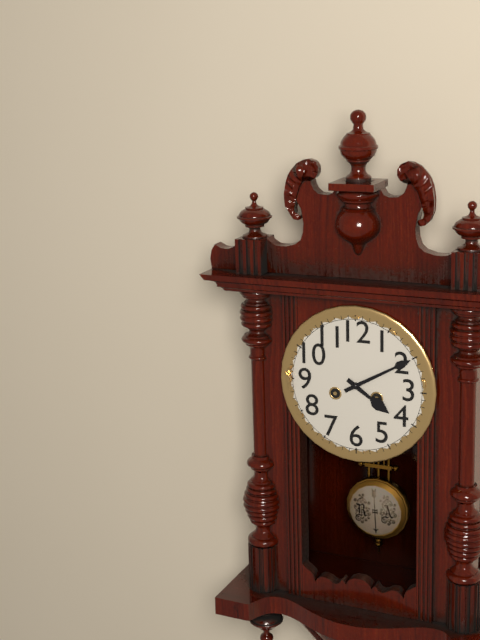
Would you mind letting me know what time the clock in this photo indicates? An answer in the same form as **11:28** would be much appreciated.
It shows **4:10**
